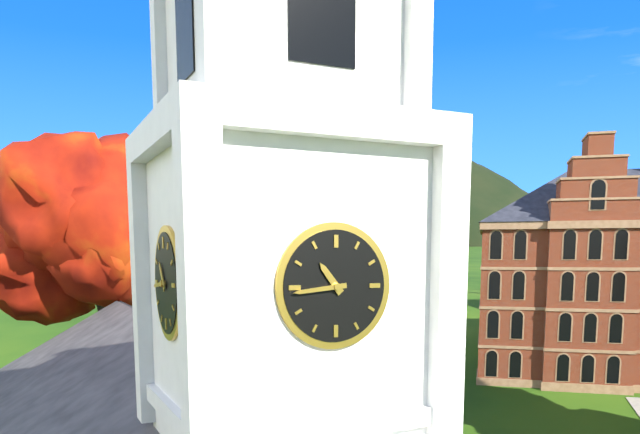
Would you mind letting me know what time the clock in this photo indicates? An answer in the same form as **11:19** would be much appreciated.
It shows **10:44**
